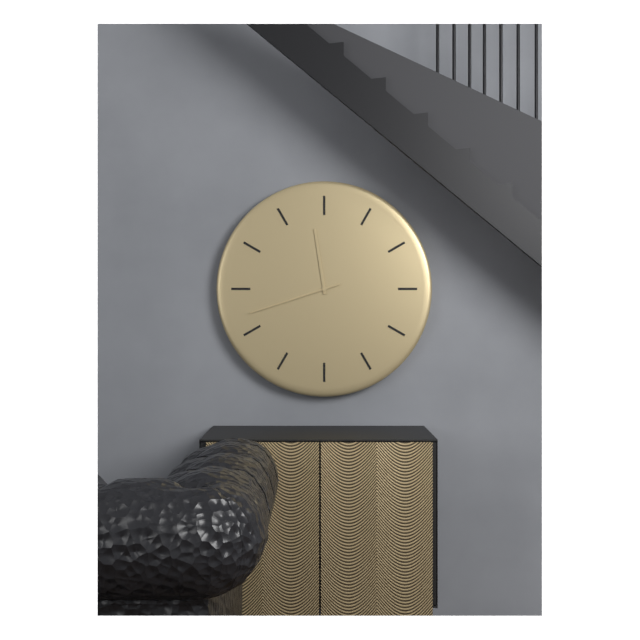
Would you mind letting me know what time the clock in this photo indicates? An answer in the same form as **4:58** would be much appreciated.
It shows **11:42**
